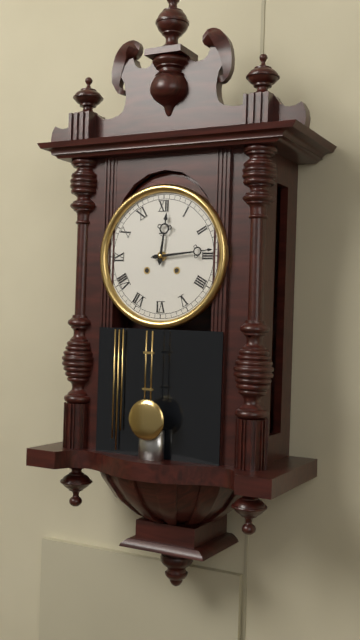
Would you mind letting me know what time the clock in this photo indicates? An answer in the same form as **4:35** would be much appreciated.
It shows **12:14**
